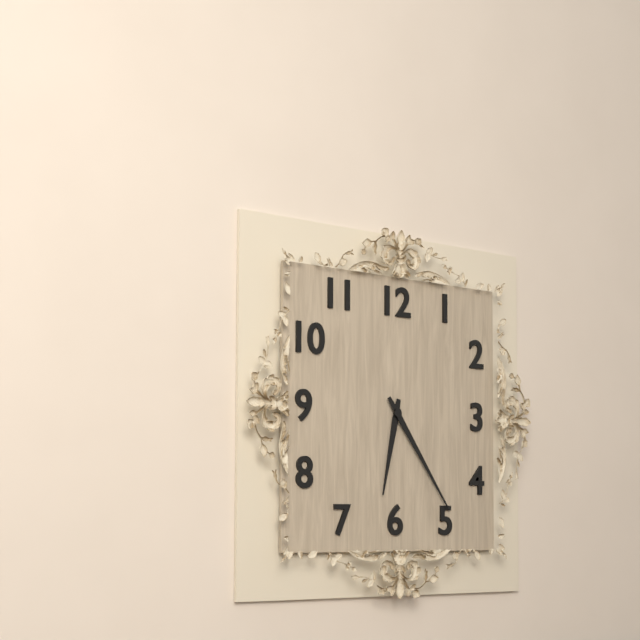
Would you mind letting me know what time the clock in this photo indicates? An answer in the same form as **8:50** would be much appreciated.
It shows **6:24**
